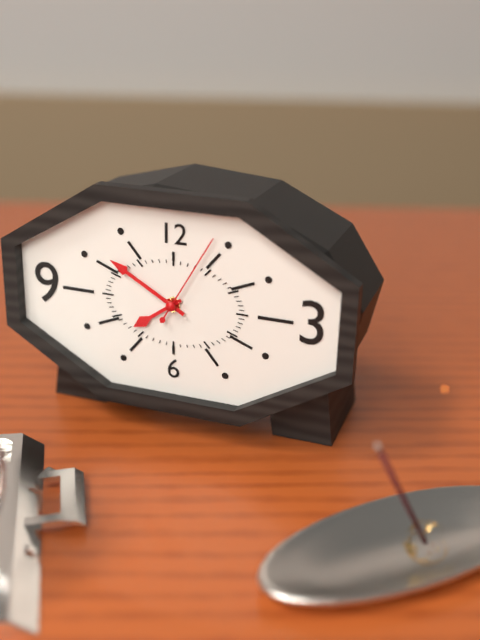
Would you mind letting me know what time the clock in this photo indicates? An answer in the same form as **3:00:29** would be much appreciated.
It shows **7:50:05**
